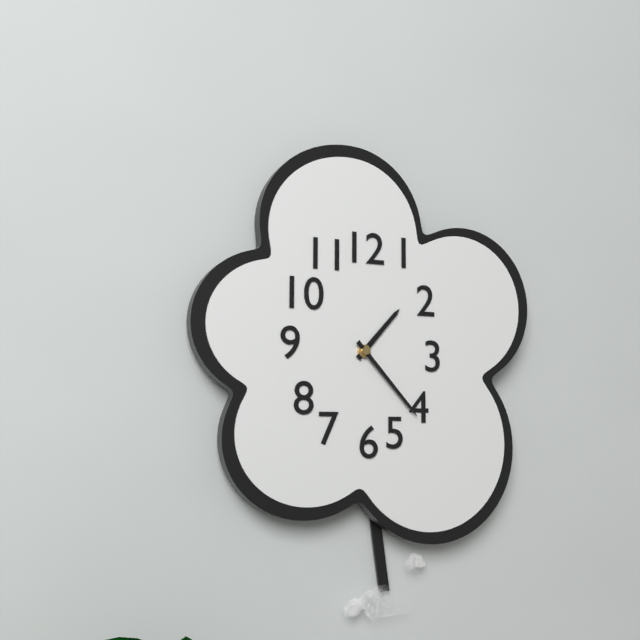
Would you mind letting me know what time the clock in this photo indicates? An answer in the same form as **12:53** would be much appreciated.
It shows **1:23**
